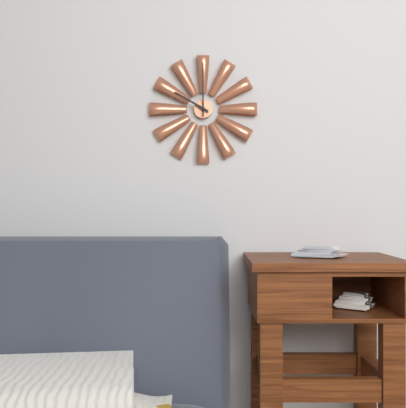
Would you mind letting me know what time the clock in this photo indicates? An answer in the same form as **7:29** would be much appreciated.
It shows **10:00**
